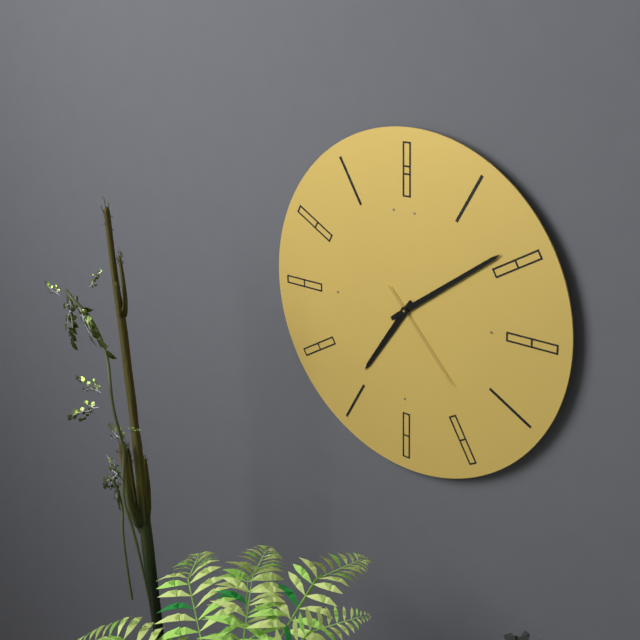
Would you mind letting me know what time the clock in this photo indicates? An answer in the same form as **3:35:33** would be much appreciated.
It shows **7:09:23**
